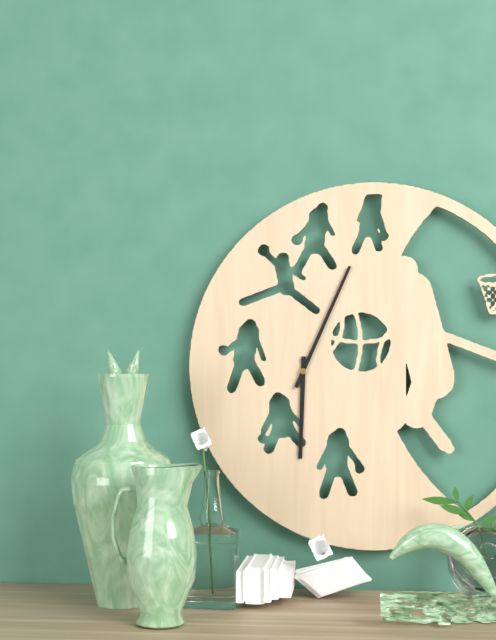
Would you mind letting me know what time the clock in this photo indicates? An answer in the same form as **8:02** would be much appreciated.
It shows **6:04**
